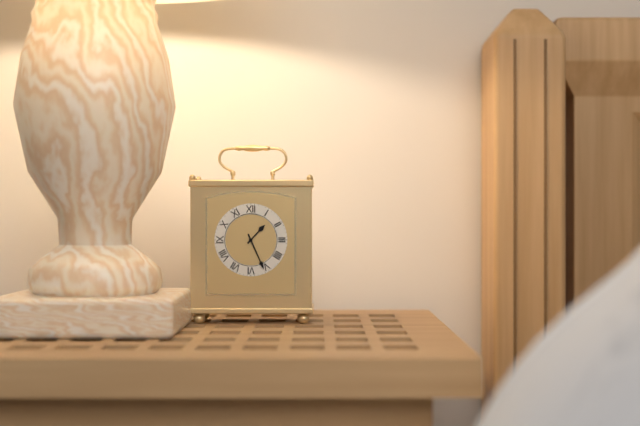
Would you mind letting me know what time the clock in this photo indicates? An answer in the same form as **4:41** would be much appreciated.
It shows **1:26**
